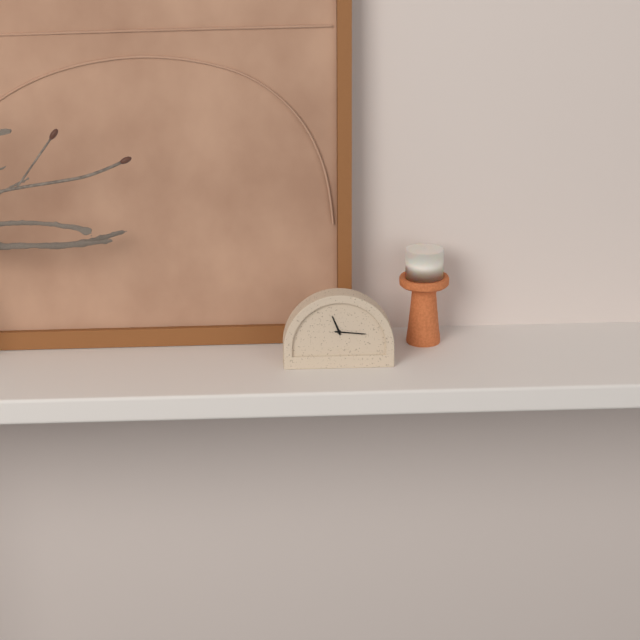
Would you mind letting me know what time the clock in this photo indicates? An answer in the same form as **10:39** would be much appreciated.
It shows **11:16**
